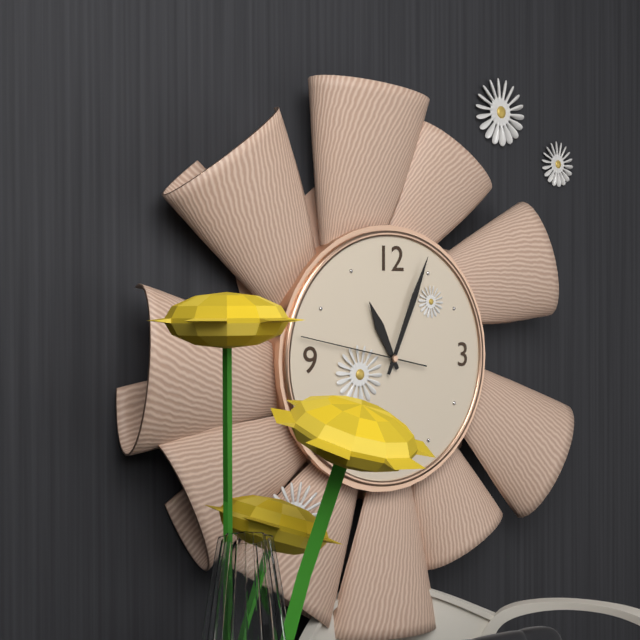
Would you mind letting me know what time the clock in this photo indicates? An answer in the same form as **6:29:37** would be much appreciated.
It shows **11:04:47**
